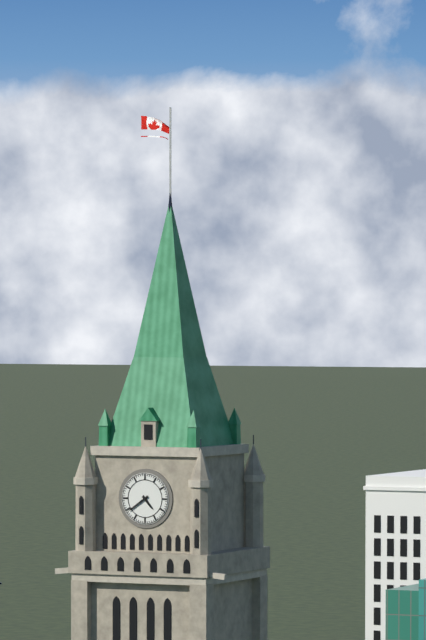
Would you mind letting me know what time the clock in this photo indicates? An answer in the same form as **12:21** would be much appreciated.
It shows **4:39**
